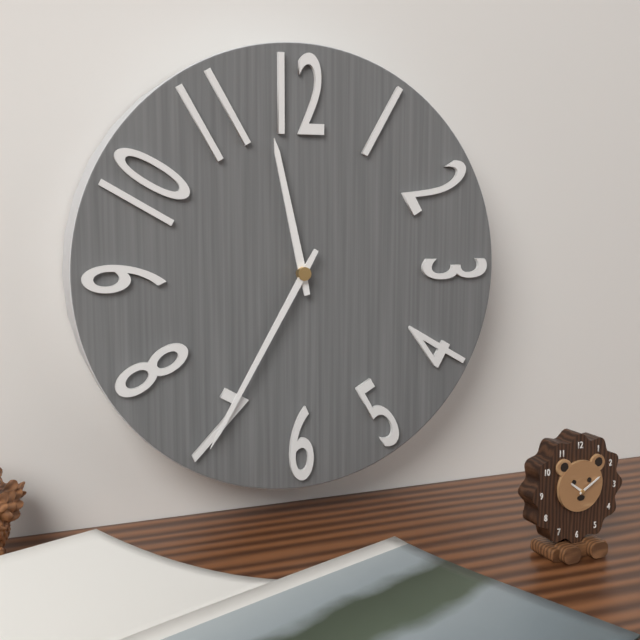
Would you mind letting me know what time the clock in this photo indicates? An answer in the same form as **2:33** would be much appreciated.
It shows **11:35**
